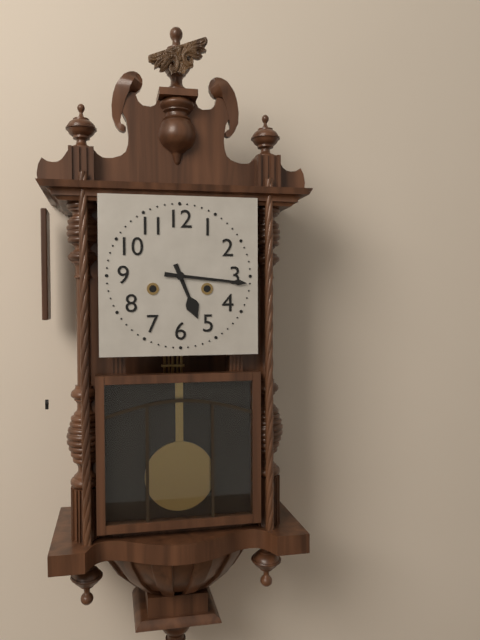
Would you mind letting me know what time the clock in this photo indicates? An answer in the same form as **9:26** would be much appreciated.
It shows **5:16**
